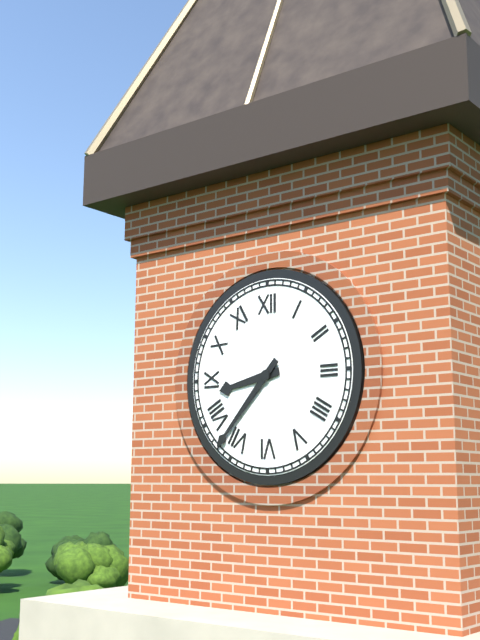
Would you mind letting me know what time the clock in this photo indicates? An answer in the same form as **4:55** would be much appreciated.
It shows **8:37**
